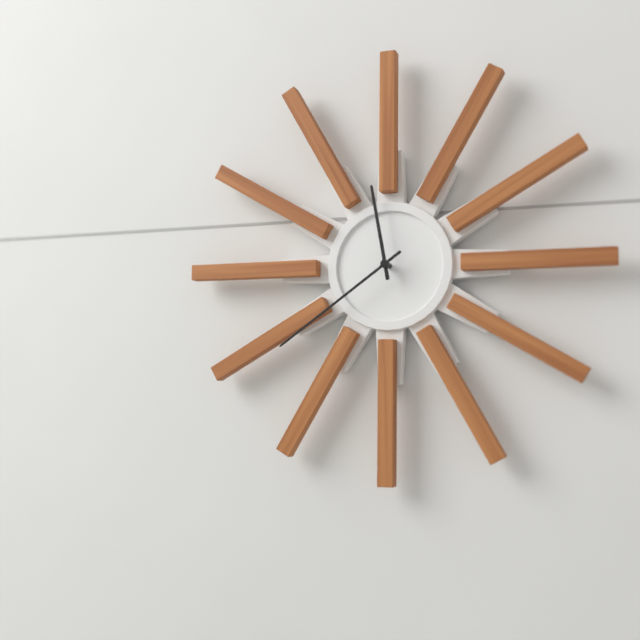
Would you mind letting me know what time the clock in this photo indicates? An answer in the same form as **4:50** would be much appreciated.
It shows **11:39**
